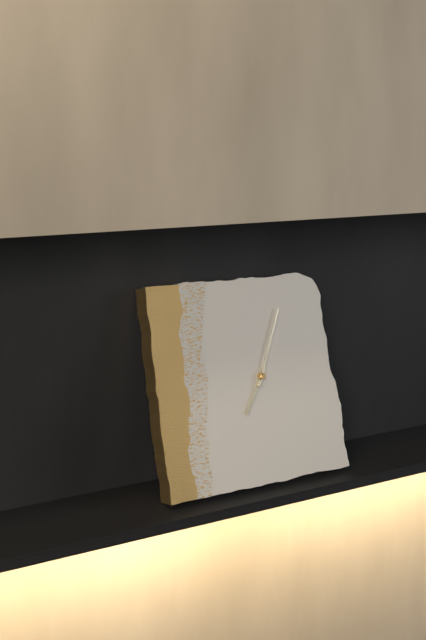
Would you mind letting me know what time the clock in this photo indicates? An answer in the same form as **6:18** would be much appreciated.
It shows **7:04**
